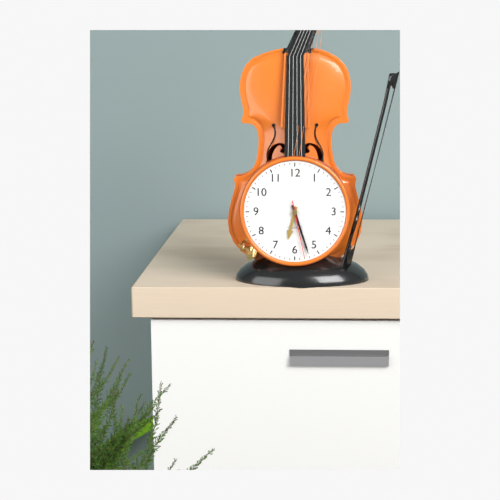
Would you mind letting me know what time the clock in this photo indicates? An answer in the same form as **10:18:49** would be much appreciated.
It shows **6:27:28**
